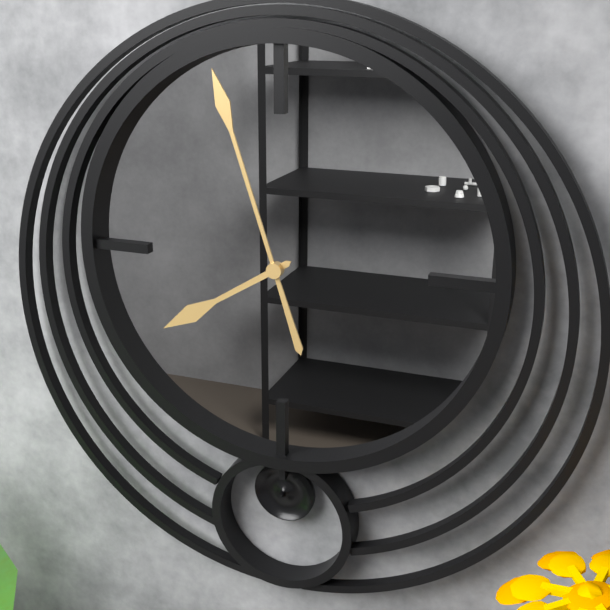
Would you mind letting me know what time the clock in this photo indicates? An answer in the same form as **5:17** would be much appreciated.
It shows **7:57**
